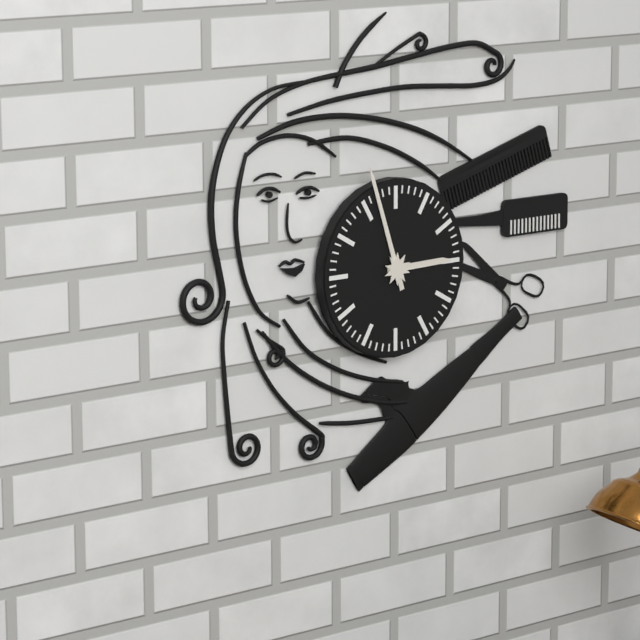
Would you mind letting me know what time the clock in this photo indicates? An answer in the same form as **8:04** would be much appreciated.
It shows **2:57**
